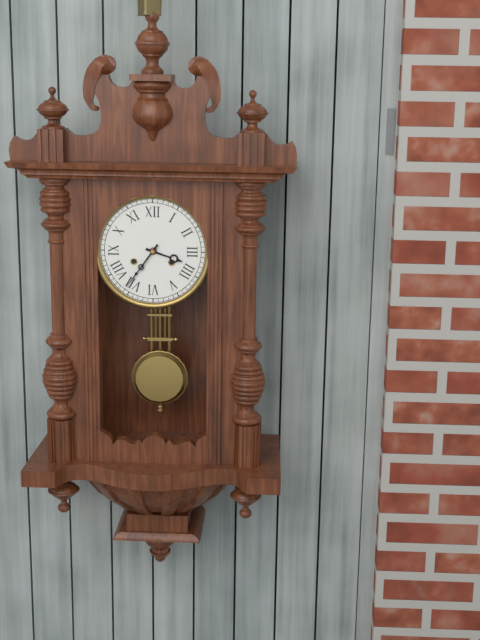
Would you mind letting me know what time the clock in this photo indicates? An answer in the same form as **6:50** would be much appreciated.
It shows **3:36**
